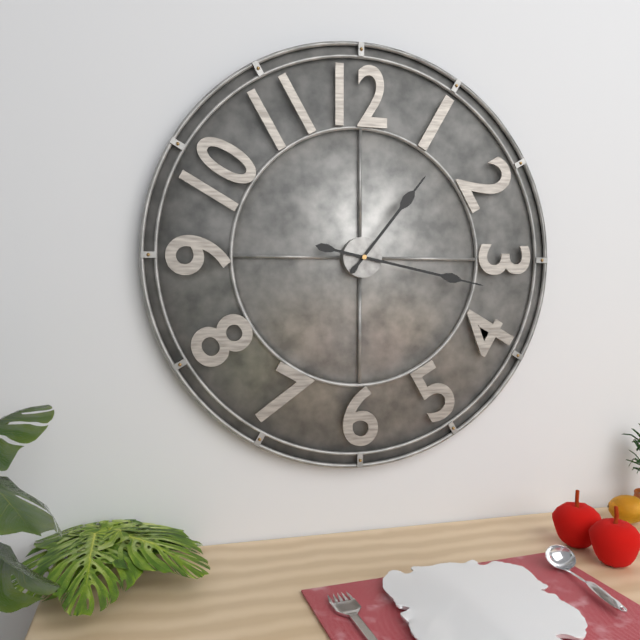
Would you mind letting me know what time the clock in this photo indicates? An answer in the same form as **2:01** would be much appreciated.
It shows **1:17**
